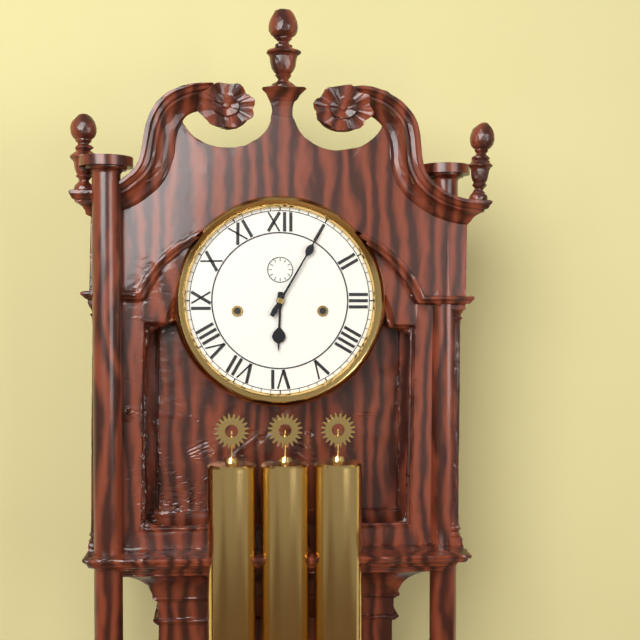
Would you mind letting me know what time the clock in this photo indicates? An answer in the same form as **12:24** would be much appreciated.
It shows **6:05**
